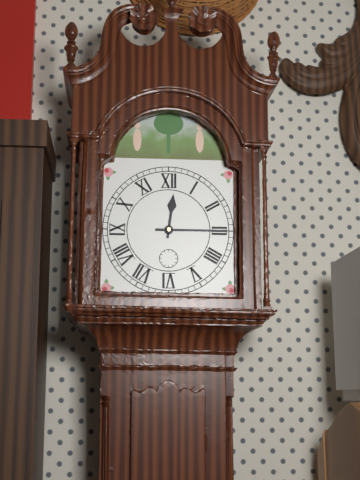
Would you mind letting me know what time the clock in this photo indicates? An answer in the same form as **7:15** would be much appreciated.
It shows **12:15**
